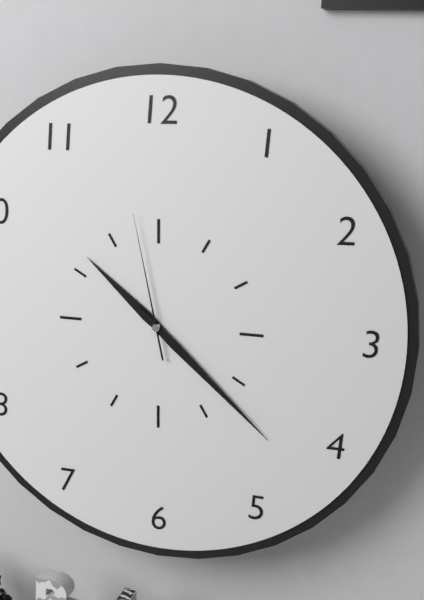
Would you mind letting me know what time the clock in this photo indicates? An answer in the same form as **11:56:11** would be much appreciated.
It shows **10:22:58**
